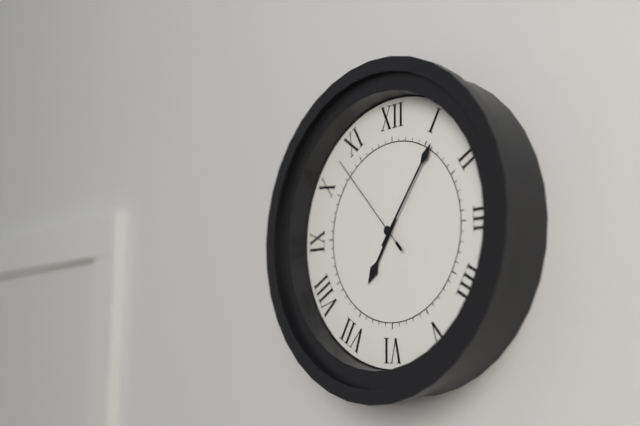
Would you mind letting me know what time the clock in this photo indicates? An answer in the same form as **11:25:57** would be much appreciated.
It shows **7:06:53**
